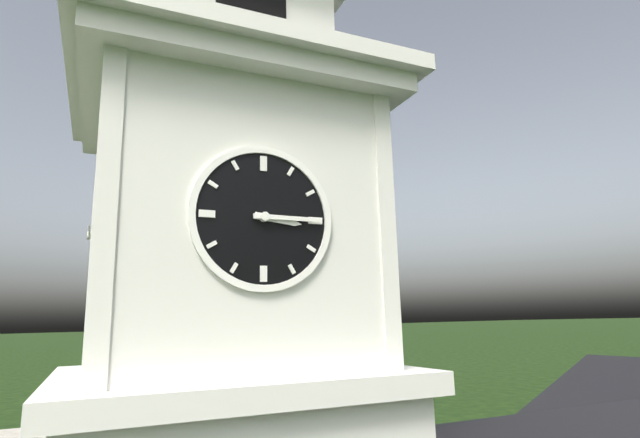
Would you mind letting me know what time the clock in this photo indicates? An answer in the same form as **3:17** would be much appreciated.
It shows **3:15**
